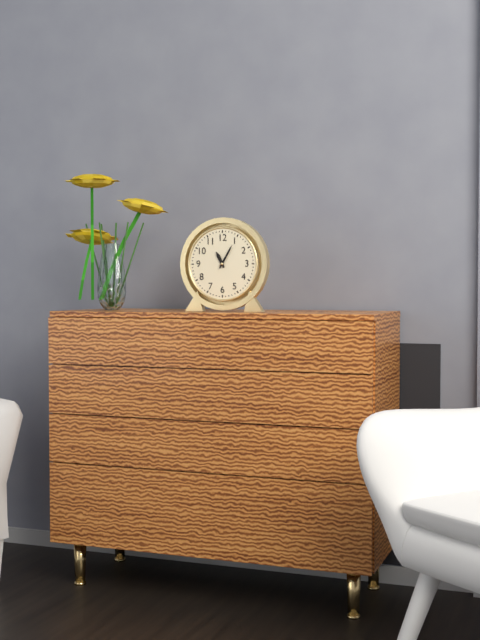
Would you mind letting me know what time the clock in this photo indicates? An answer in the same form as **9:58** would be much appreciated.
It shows **11:05**
